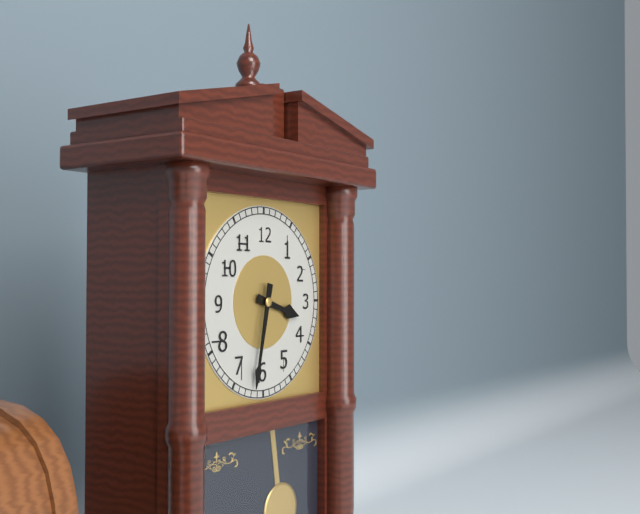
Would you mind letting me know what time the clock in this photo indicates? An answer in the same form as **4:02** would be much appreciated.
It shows **3:32**
